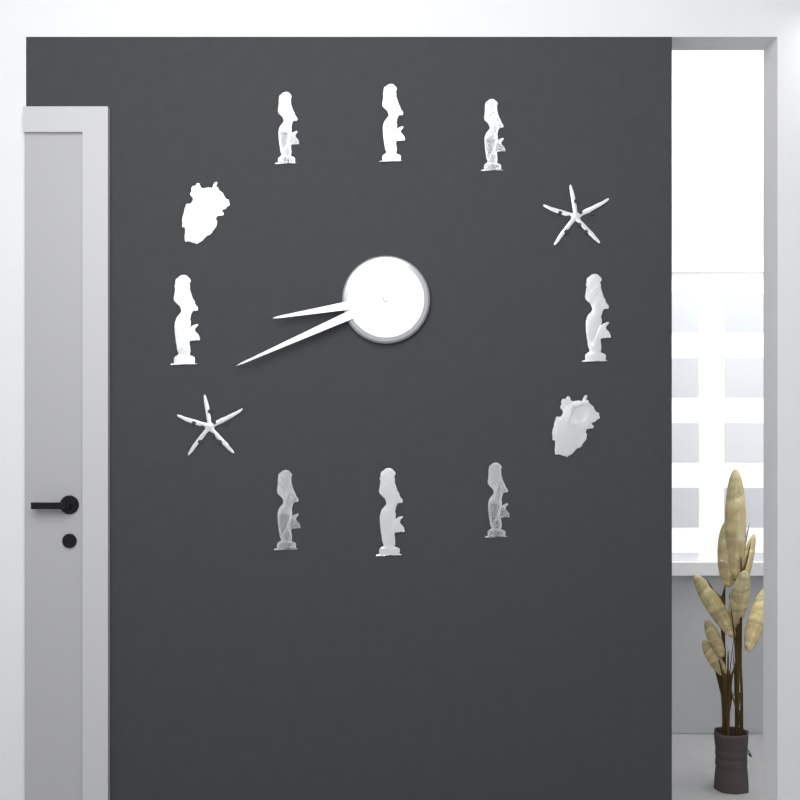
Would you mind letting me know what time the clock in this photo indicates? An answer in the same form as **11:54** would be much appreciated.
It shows **8:41**
